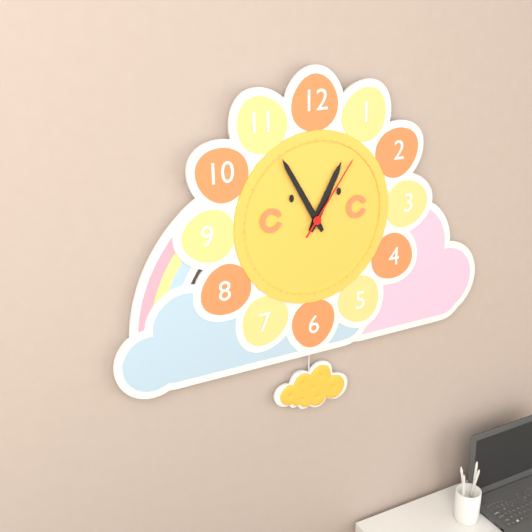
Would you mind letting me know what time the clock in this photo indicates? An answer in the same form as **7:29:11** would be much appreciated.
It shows **12:55:06**
